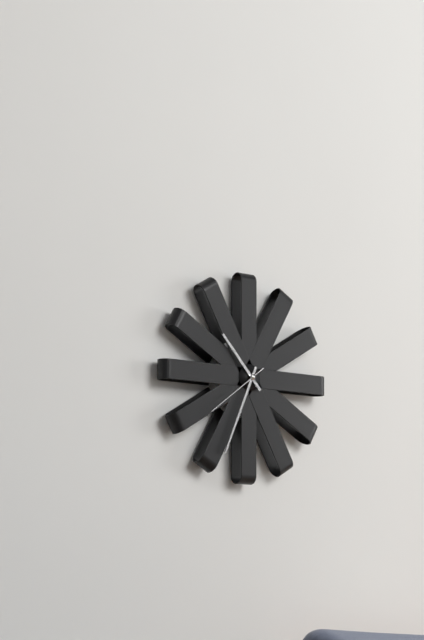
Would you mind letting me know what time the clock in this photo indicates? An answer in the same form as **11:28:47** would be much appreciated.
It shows **10:34:39**
